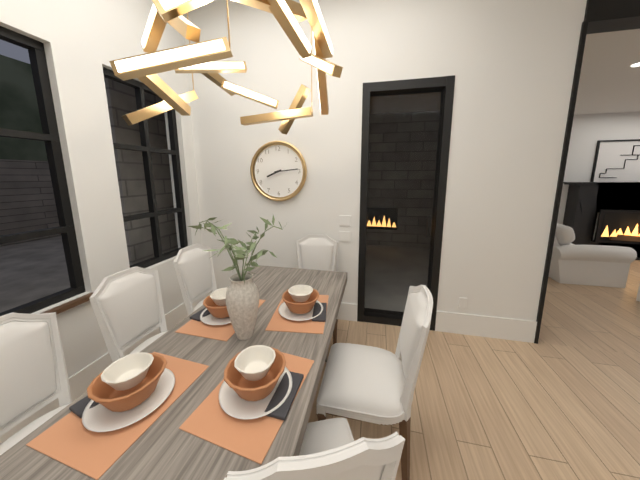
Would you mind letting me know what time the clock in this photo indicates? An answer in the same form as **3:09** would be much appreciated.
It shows **8:14**
